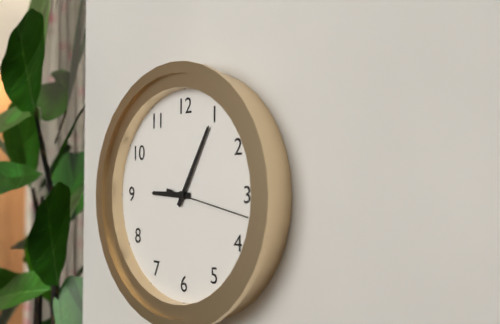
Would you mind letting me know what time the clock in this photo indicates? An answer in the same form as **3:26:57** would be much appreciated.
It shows **9:05:17**
